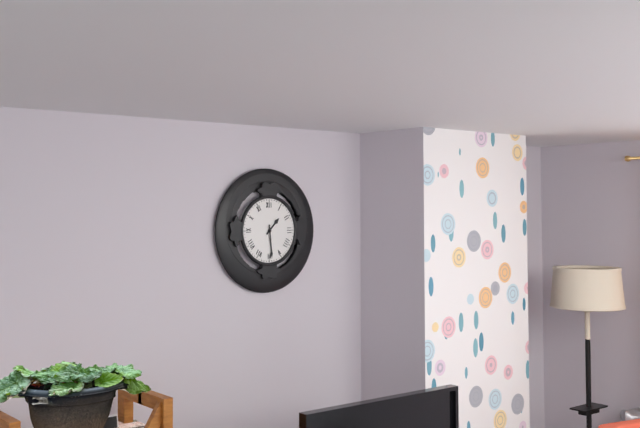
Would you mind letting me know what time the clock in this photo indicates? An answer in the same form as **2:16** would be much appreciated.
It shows **1:29**
